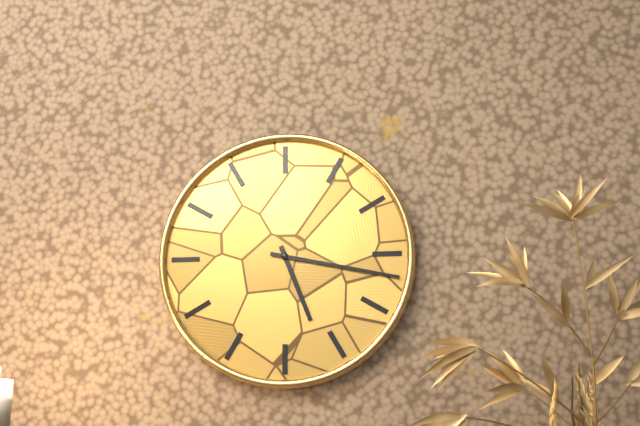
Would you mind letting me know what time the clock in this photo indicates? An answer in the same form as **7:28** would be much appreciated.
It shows **5:17**
